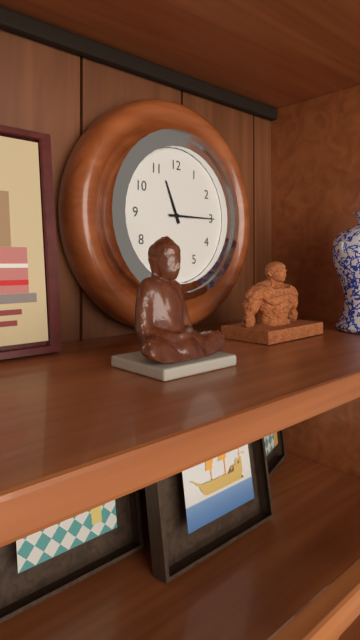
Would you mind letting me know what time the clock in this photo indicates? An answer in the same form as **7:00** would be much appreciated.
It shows **11:15**
